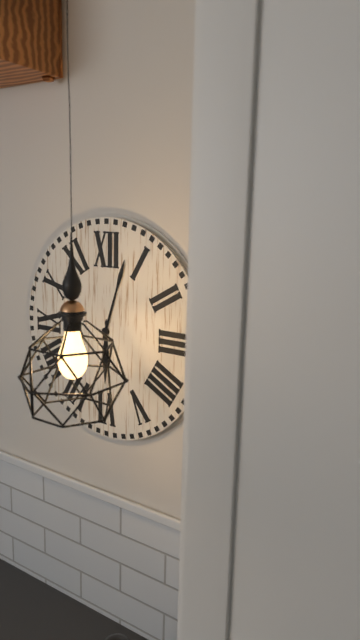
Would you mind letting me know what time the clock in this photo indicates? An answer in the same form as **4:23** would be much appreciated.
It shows **6:03**
